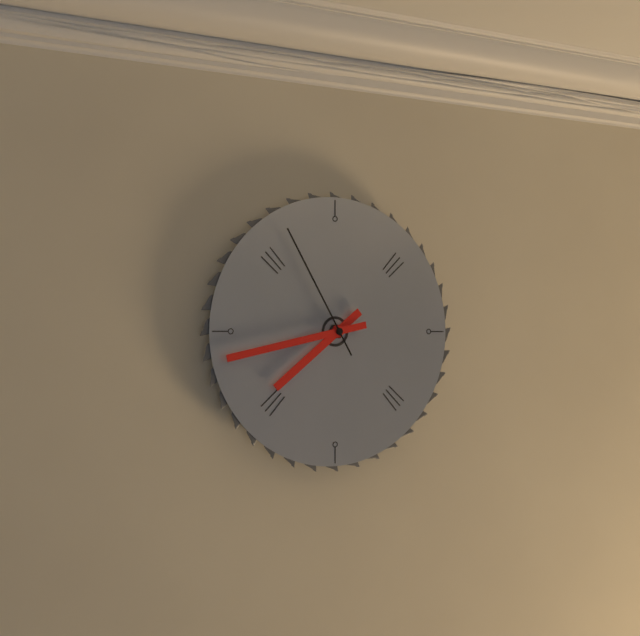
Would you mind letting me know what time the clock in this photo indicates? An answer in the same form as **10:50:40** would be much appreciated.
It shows **7:43:55**
